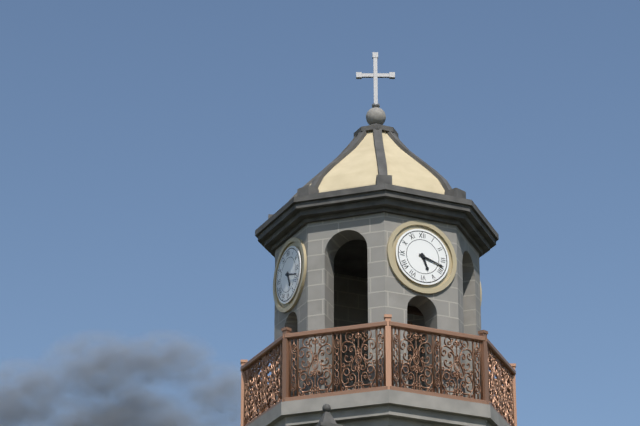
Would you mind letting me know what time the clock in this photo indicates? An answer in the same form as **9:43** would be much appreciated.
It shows **5:18**
